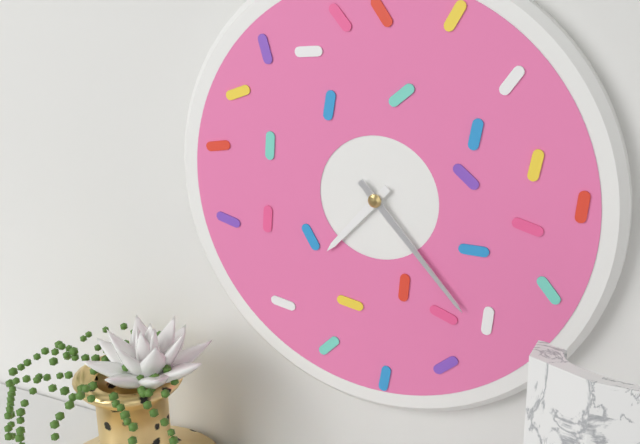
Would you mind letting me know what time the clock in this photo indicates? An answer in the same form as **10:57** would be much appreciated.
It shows **7:23**
